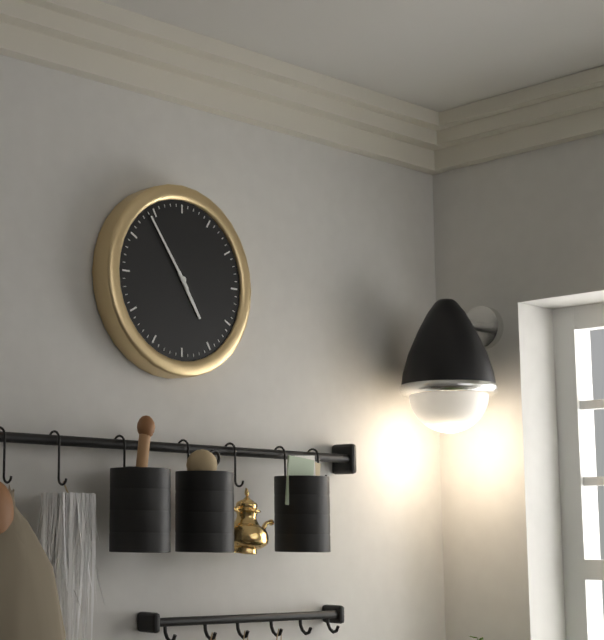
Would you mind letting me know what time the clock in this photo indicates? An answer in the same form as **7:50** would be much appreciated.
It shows **4:54**
